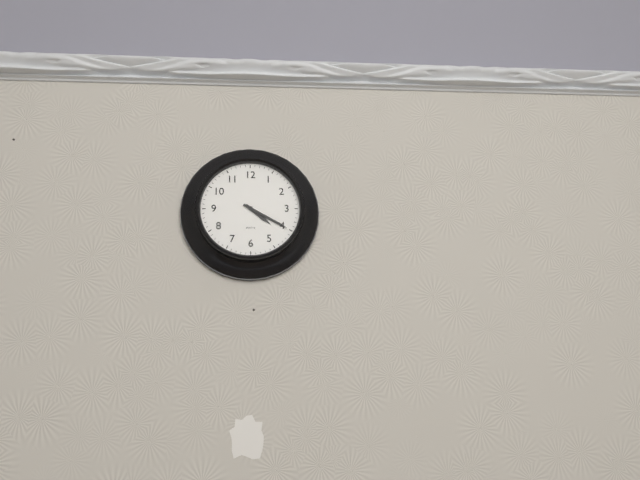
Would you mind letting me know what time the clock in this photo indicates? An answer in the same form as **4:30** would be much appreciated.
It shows **4:20**
